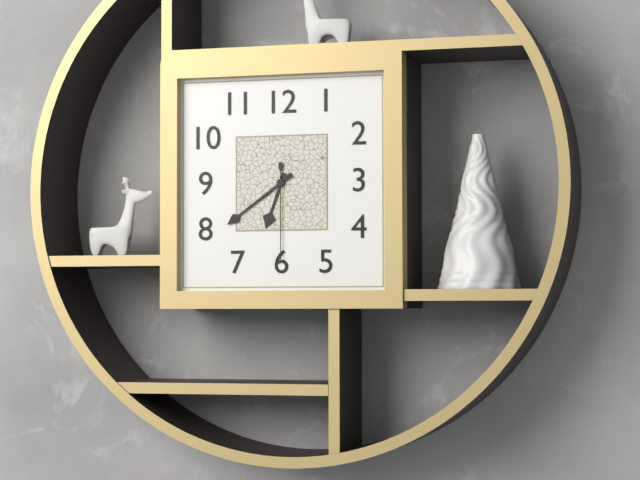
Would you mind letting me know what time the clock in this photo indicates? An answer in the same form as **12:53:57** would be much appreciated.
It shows **6:39:30**
